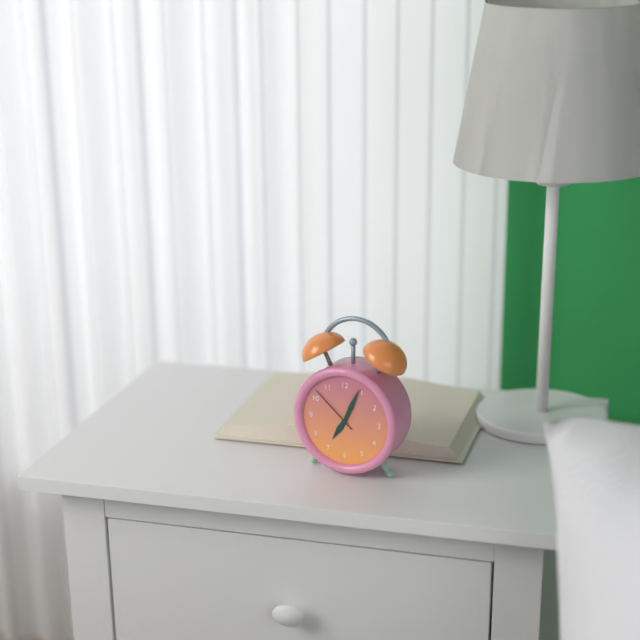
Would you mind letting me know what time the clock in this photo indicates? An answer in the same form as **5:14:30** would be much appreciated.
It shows **7:04:52**
